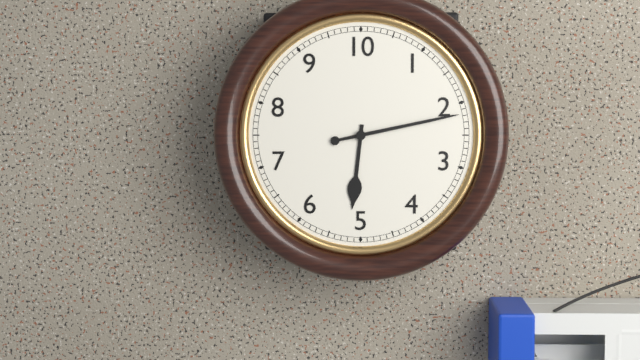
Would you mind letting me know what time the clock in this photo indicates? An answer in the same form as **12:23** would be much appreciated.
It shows **6:13**
